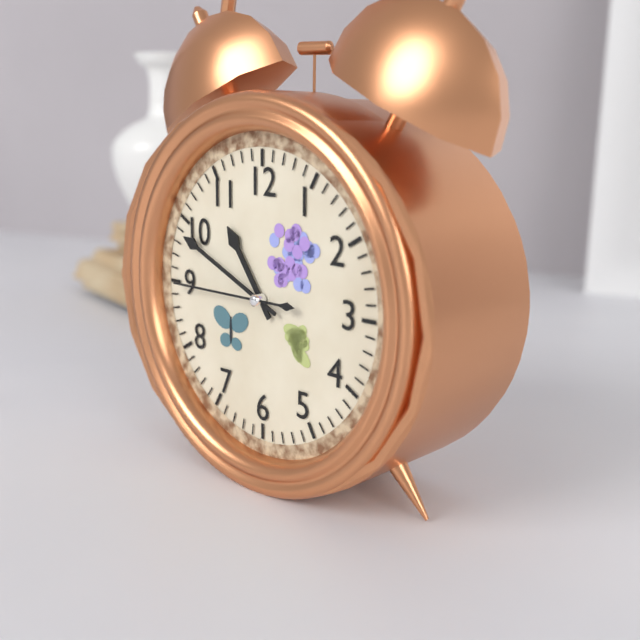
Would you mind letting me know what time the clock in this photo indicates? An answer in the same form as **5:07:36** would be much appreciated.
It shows **10:49:45**
